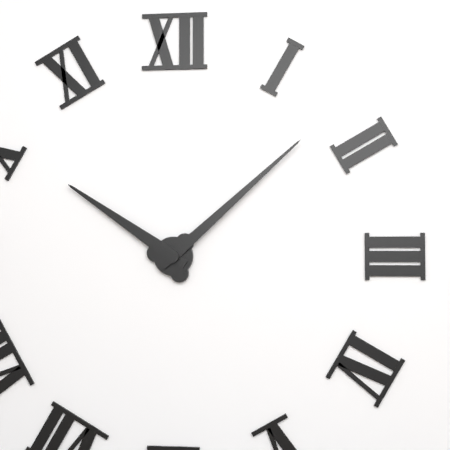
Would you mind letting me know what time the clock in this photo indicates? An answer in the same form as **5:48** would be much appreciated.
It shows **10:08**
